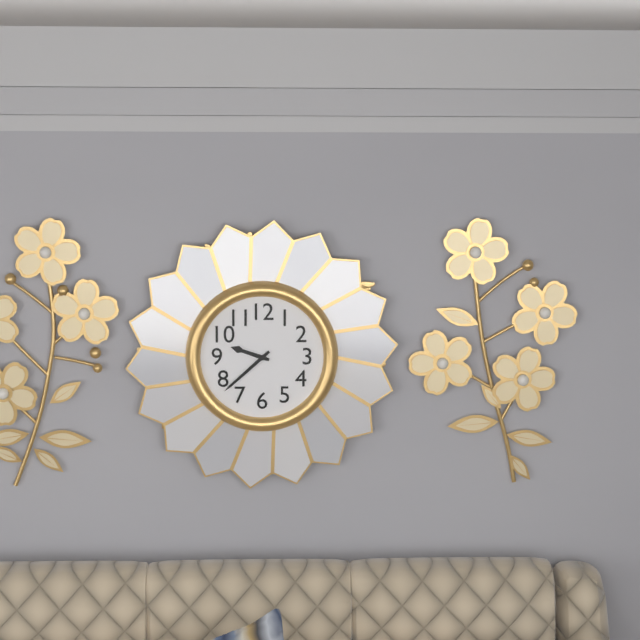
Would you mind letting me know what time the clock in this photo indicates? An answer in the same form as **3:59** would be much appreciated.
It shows **9:38**
